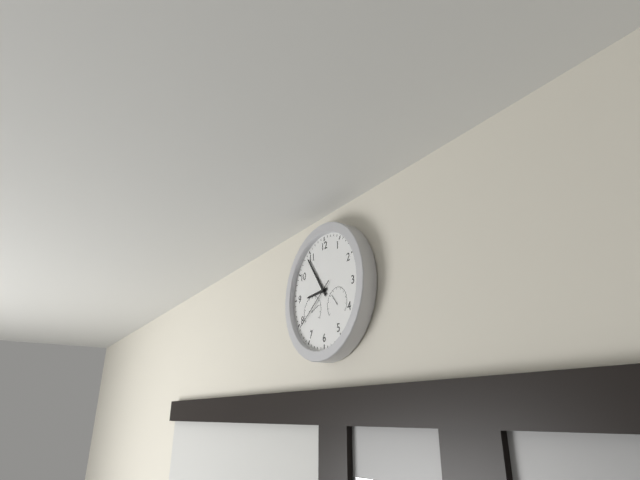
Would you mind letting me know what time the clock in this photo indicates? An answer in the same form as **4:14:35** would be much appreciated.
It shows **8:54:39**
